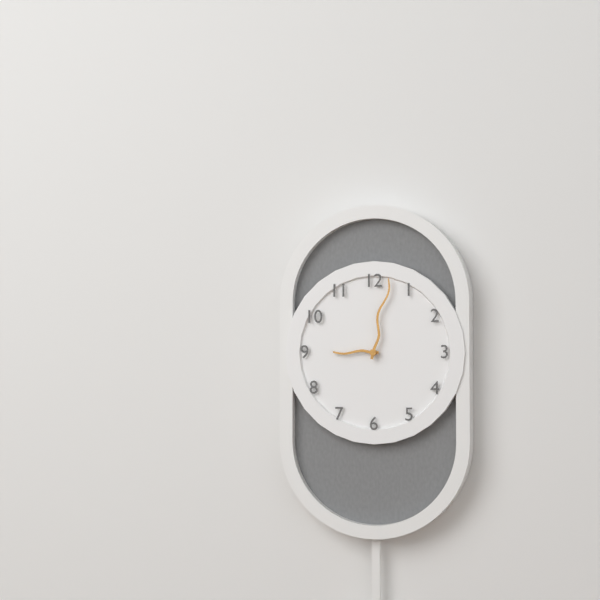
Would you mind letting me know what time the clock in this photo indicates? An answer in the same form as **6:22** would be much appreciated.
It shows **9:02**
